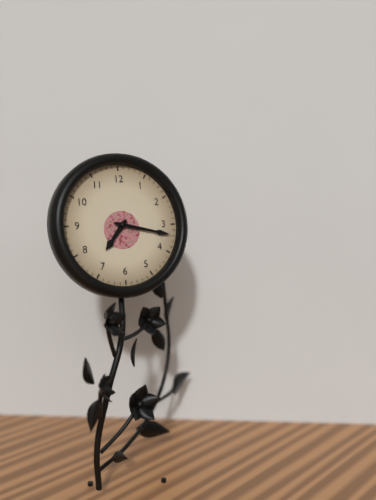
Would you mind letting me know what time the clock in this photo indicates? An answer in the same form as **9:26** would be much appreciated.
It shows **7:17**
